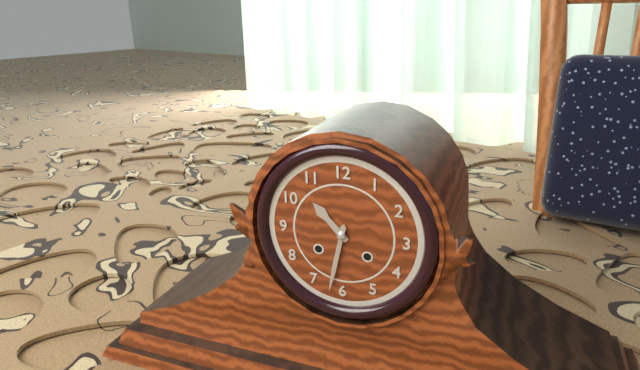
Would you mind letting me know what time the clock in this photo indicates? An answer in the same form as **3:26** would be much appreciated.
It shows **10:32**
